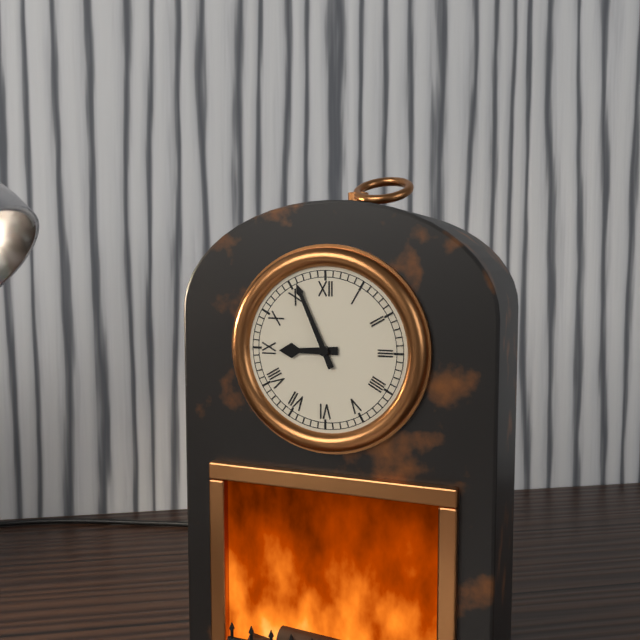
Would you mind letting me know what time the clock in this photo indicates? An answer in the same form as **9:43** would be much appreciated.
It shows **8:56**
